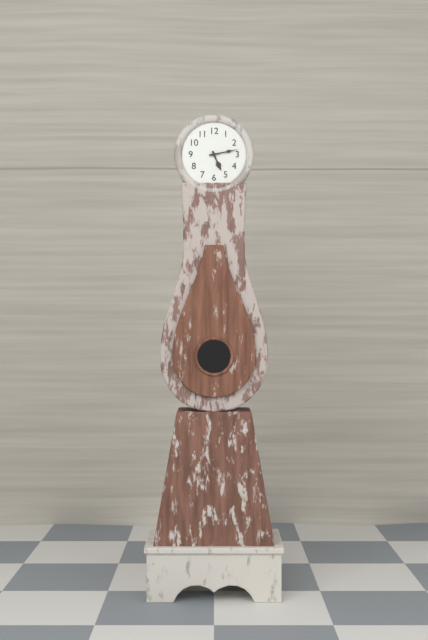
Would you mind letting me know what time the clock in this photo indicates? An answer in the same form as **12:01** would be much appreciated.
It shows **5:13**
